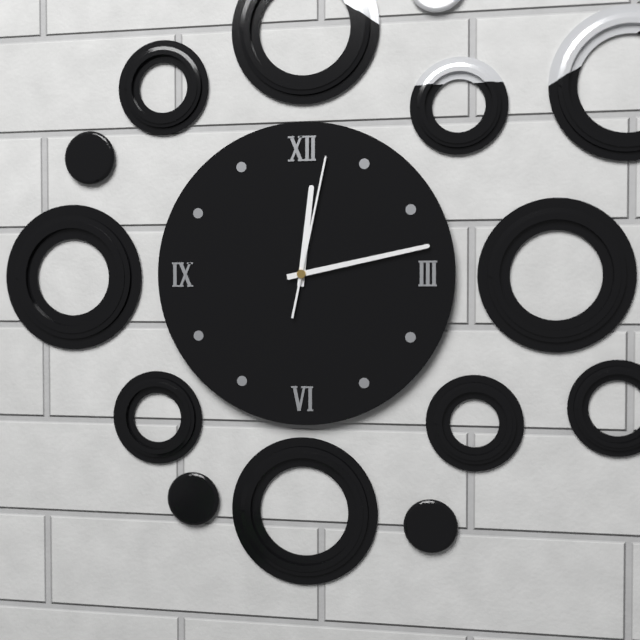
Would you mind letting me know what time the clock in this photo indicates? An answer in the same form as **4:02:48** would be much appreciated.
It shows **12:13:02**
